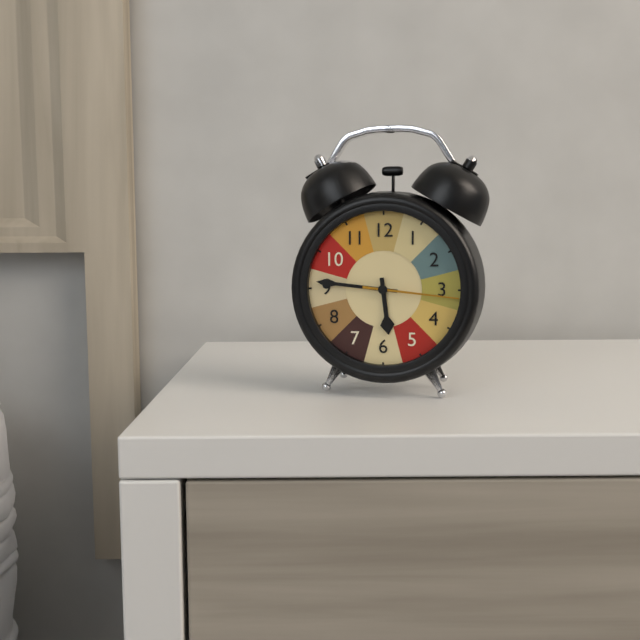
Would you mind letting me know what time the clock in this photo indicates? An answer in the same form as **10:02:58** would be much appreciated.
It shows **5:46:16**
